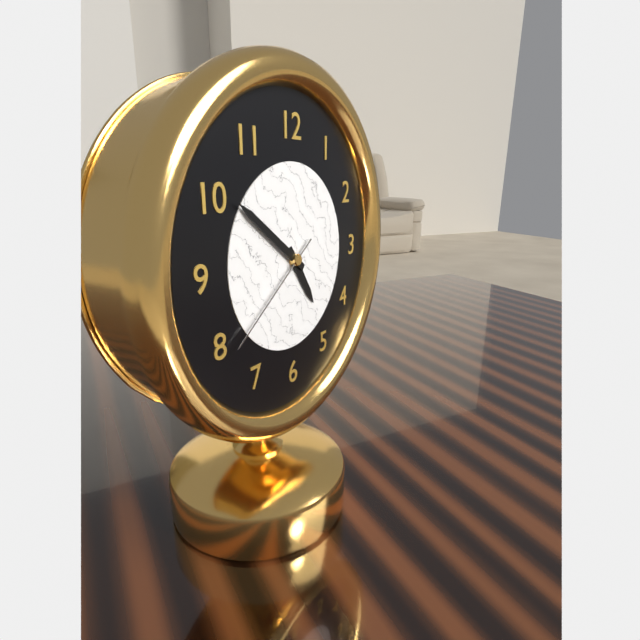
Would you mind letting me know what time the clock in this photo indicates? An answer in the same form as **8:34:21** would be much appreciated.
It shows **4:51:39**
